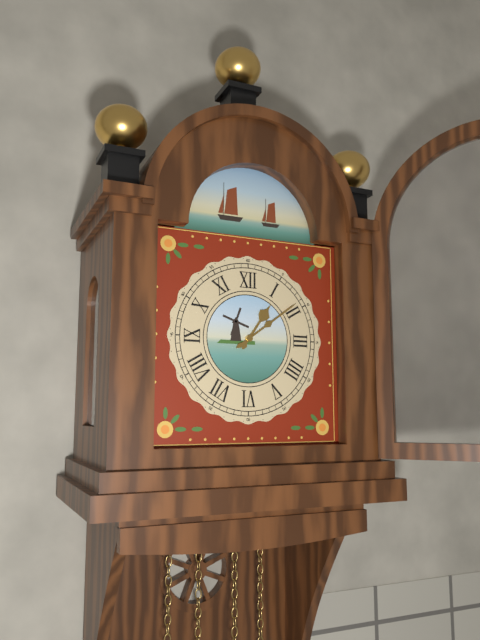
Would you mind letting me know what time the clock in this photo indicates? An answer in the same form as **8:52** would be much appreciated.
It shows **1:09**
